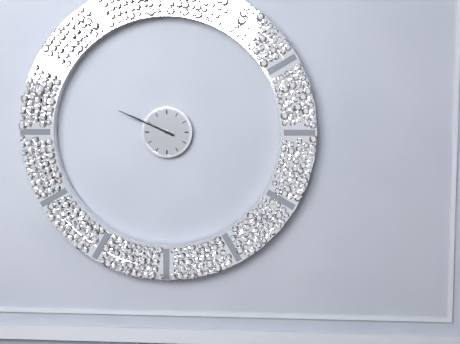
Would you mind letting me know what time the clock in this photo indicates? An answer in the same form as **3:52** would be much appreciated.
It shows **9:49**
